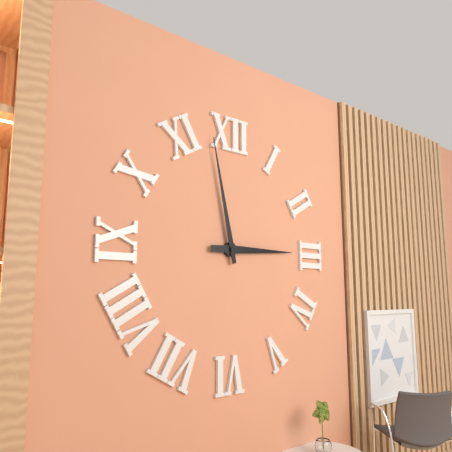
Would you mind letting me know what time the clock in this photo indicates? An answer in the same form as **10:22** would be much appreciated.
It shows **2:58**
